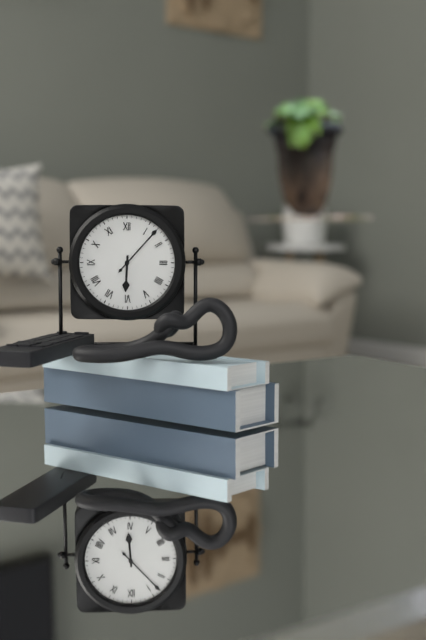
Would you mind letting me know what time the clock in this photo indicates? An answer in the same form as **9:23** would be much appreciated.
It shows **6:07**
